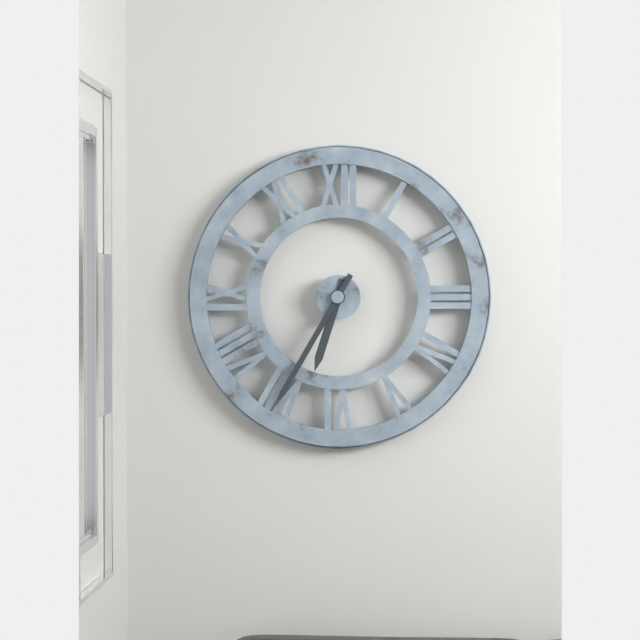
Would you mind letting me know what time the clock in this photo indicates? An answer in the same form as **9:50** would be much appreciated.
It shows **6:35**
